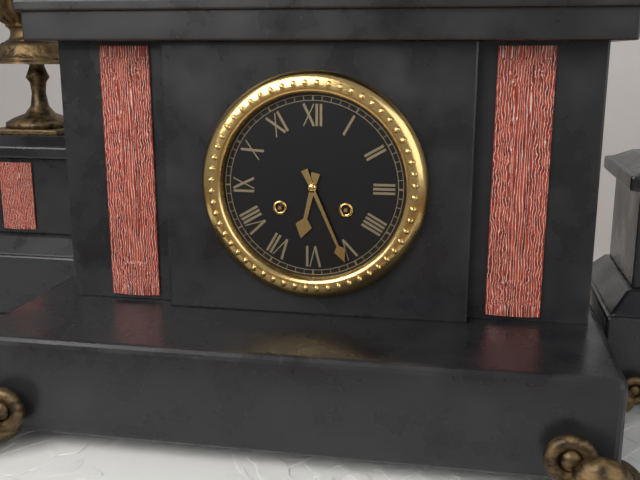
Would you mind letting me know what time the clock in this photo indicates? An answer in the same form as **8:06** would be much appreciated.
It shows **6:26**
